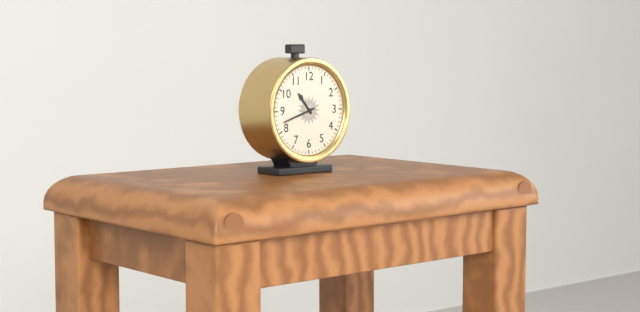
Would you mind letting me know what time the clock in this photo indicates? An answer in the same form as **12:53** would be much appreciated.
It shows **10:42**
